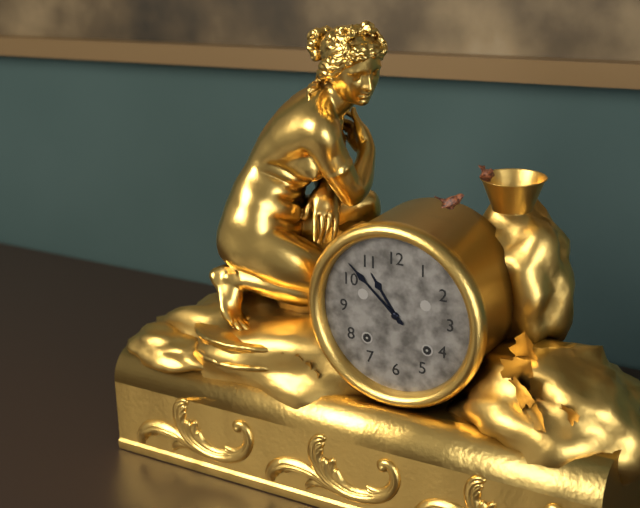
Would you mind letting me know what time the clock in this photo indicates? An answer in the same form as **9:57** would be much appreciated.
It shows **10:52**
